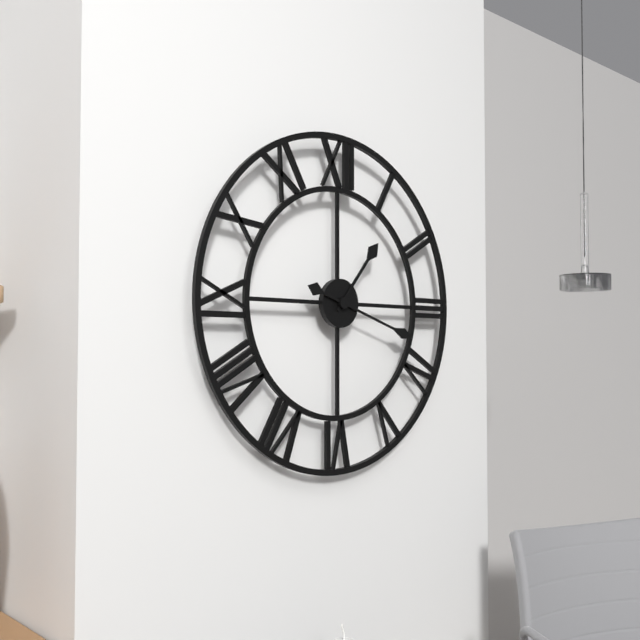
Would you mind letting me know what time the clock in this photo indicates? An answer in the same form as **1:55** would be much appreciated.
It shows **1:18**
